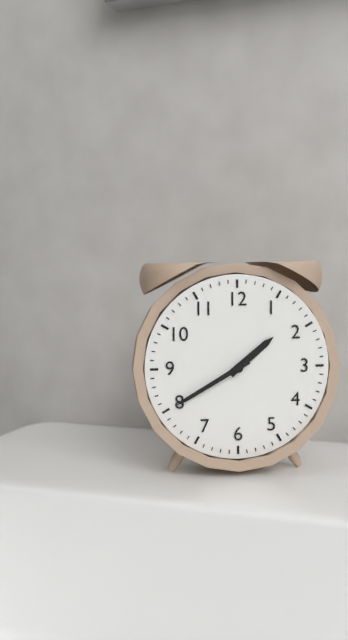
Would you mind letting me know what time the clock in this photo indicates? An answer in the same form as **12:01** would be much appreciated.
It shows **1:40**
